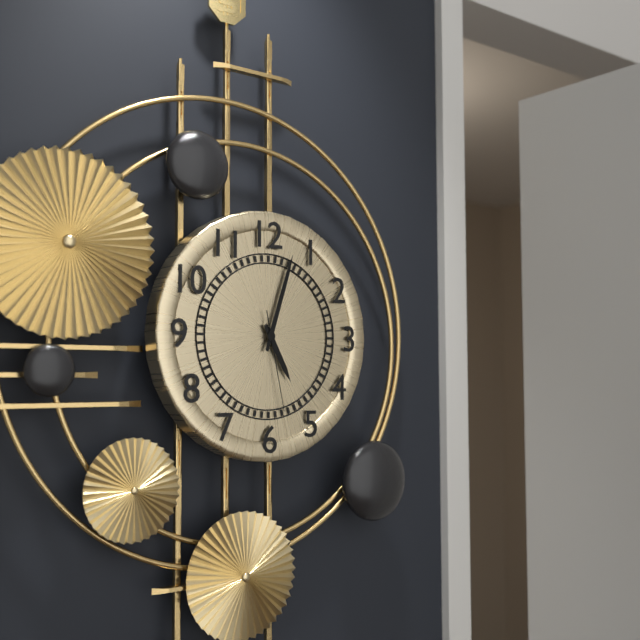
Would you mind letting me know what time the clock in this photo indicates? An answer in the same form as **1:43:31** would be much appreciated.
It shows **5:03:28**
